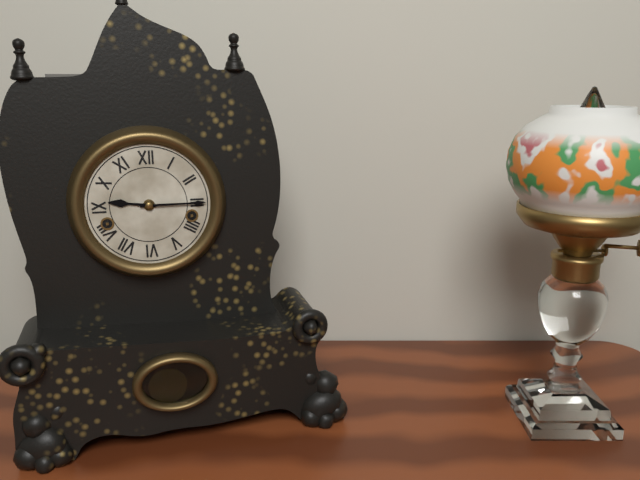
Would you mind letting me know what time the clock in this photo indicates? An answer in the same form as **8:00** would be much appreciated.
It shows **9:15**
